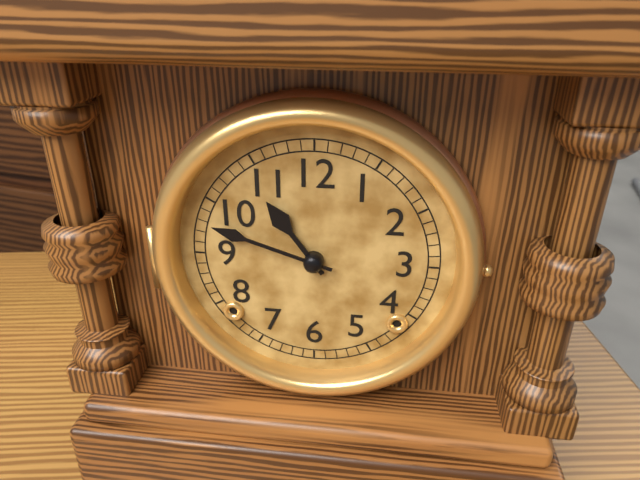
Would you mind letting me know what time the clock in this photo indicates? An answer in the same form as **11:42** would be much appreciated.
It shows **10:48**
